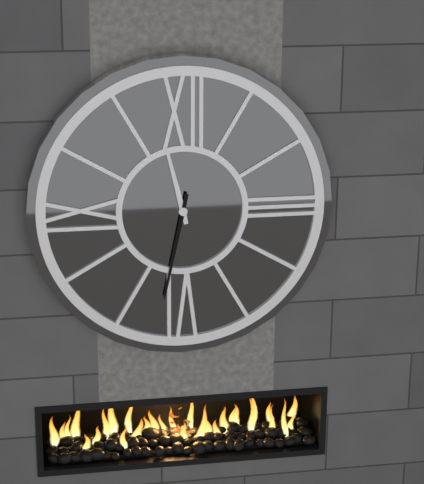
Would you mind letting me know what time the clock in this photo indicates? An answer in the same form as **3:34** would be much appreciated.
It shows **11:32**
